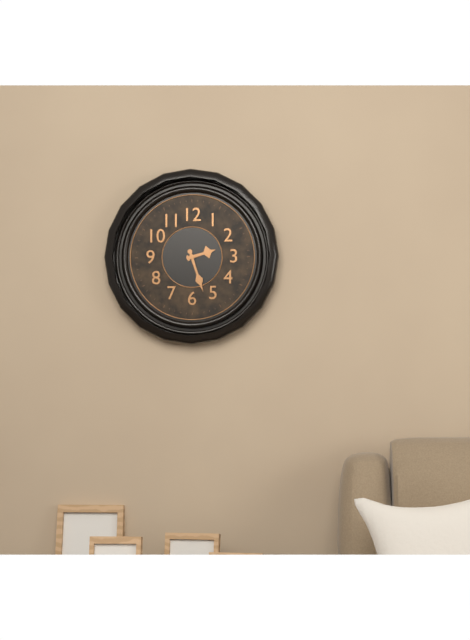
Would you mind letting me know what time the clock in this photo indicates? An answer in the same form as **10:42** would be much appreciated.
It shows **2:27**
